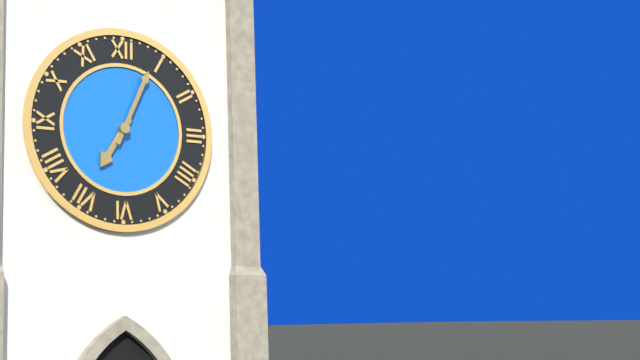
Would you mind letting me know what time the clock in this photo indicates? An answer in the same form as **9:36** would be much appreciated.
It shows **7:04**
